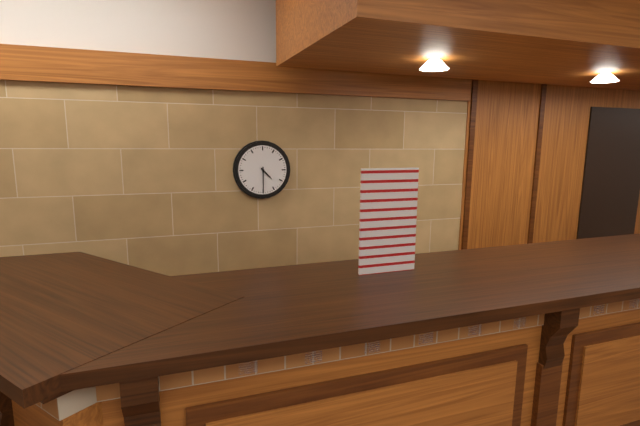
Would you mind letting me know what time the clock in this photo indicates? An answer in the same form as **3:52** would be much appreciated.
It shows **4:30**
